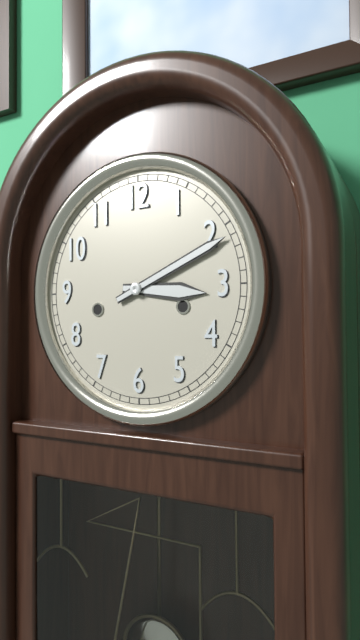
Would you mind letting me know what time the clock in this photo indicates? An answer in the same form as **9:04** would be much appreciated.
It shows **3:11**
